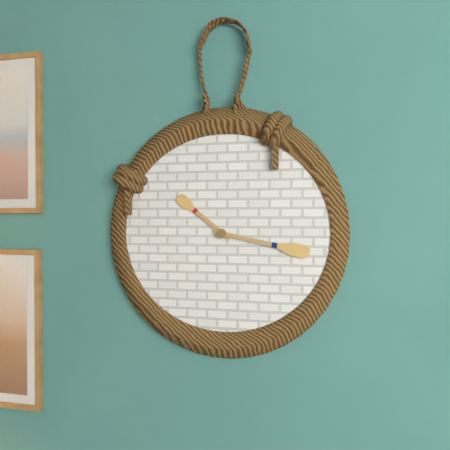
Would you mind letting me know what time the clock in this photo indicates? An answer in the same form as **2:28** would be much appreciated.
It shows **10:17**
